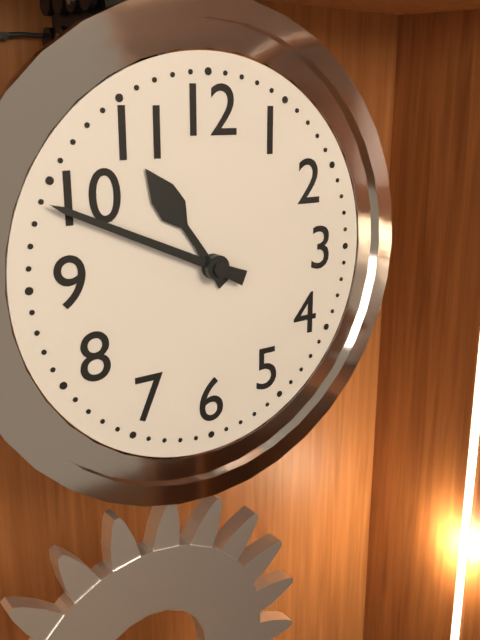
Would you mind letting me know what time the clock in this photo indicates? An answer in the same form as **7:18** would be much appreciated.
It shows **10:49**
